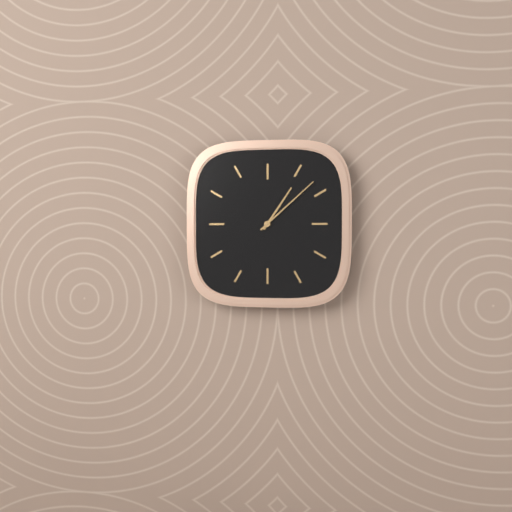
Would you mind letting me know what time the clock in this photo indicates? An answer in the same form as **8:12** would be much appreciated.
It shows **1:08**
